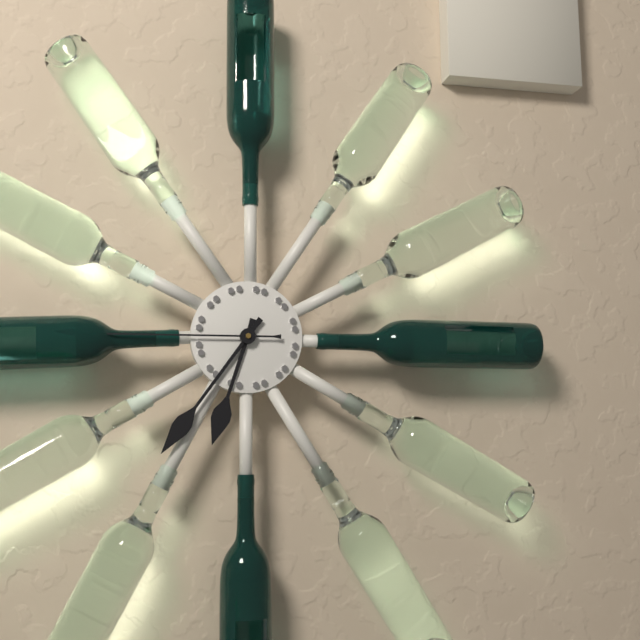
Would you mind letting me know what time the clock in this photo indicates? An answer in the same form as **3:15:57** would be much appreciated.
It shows **6:36:45**
